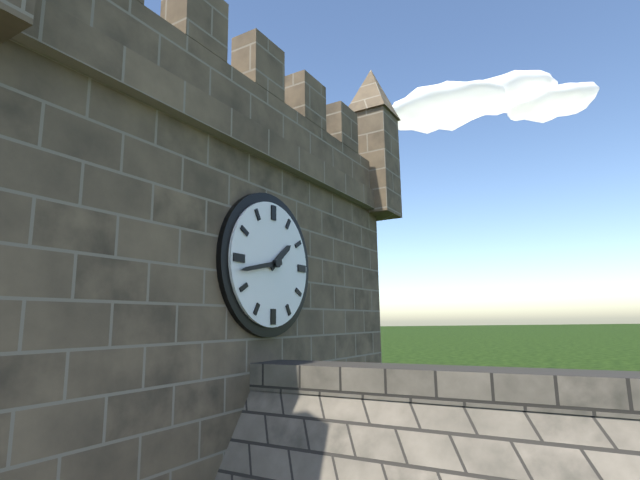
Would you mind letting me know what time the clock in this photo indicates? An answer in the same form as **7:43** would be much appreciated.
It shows **1:43**
